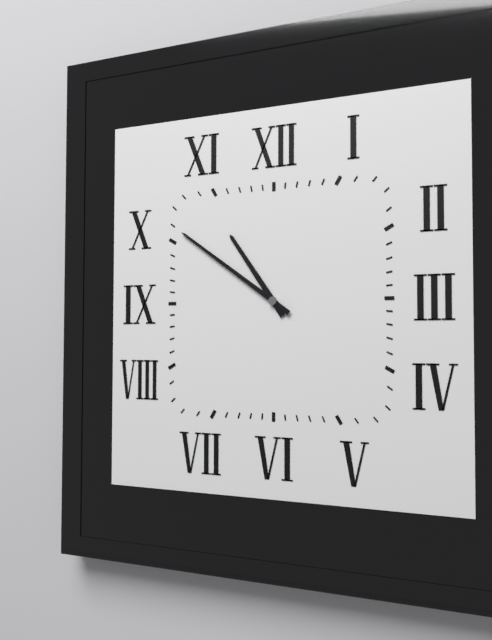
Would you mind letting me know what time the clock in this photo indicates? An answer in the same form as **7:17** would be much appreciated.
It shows **10:51**
